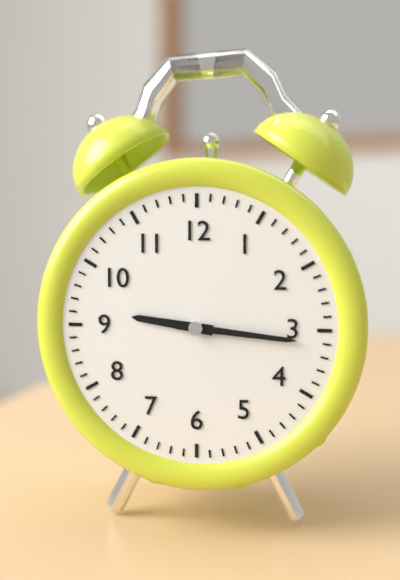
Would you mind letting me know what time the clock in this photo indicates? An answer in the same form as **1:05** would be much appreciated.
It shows **9:16**
